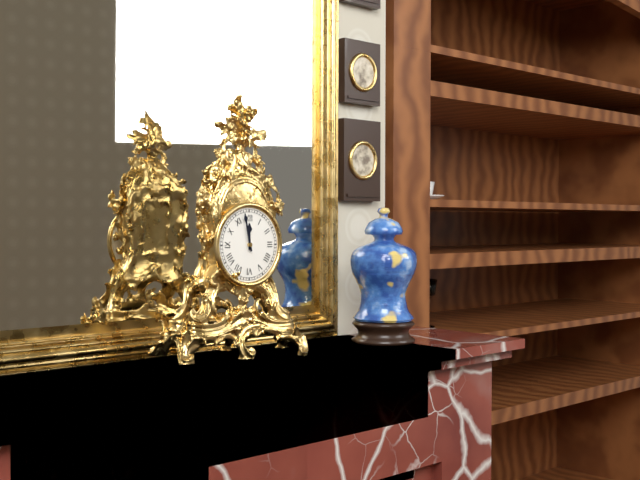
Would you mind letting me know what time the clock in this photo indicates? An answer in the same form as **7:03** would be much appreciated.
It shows **11:58**
